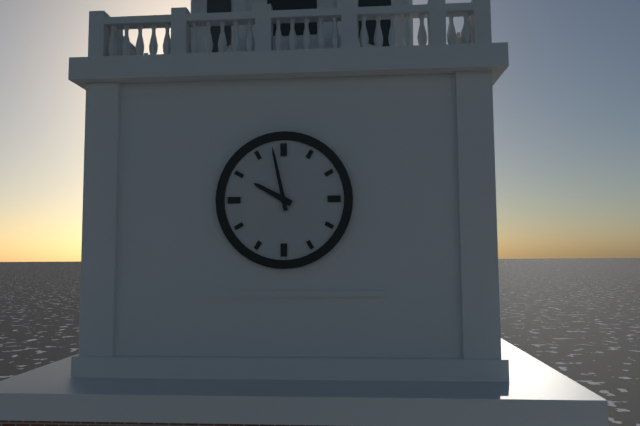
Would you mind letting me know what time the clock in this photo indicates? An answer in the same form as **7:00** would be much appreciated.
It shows **9:58**
